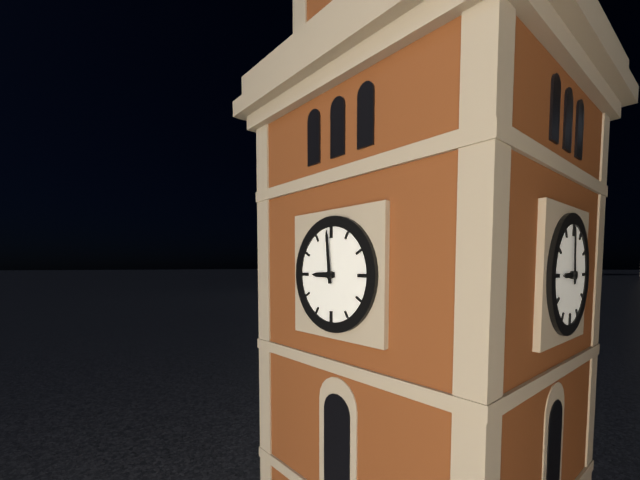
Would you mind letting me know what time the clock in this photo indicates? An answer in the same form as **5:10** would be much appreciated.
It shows **8:59**
